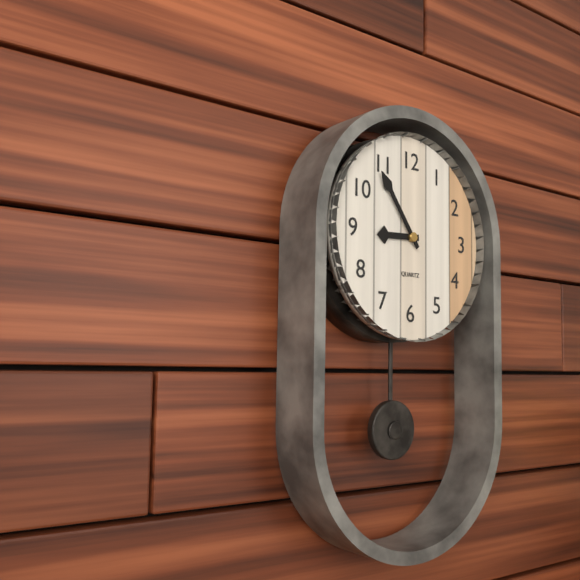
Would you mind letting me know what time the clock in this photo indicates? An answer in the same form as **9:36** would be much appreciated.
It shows **8:54**
